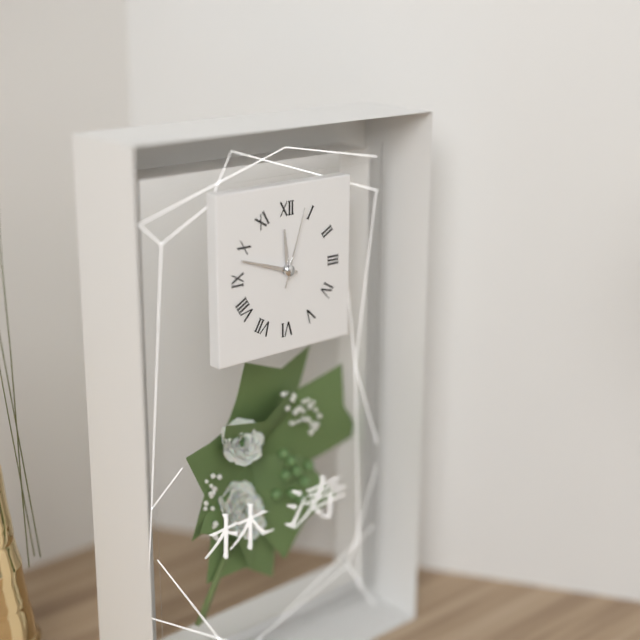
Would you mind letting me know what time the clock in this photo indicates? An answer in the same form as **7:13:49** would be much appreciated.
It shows **11:48:03**
